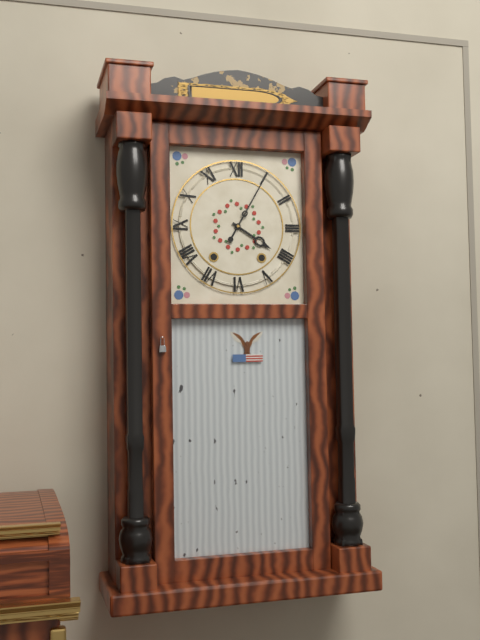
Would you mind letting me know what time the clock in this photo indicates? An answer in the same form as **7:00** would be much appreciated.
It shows **4:05**
